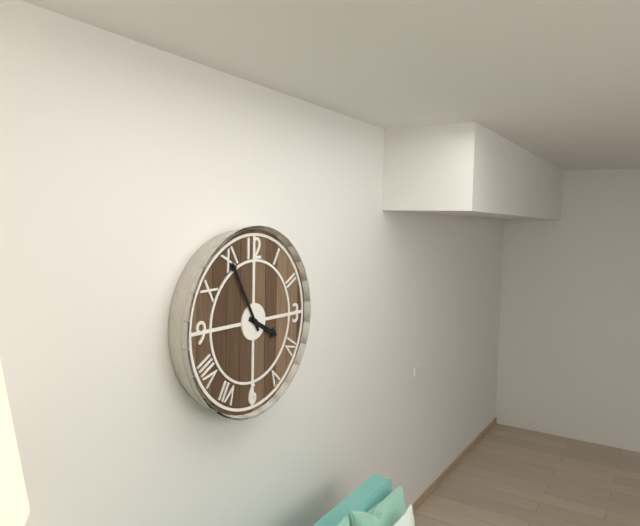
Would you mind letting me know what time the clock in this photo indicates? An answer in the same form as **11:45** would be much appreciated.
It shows **3:55**
